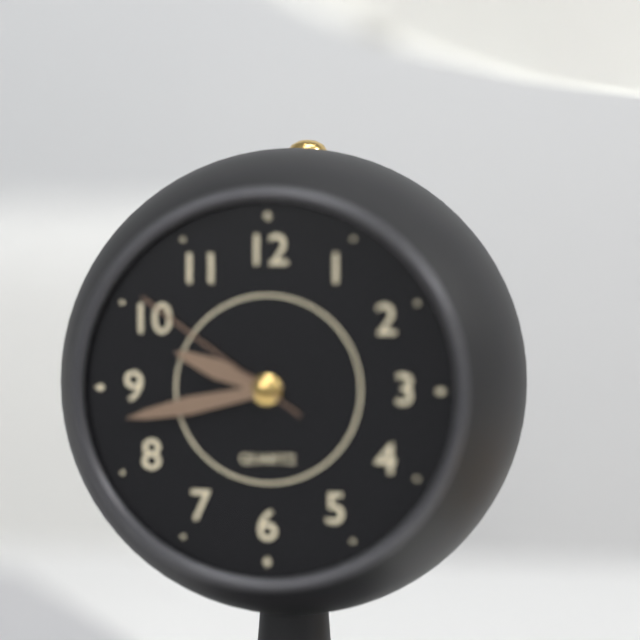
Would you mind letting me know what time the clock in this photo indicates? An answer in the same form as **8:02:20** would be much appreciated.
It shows **9:43:51**
